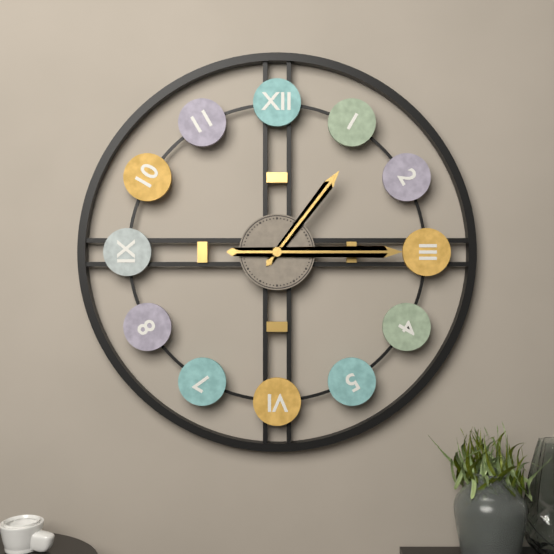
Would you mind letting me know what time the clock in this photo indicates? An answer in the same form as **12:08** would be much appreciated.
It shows **1:15**
